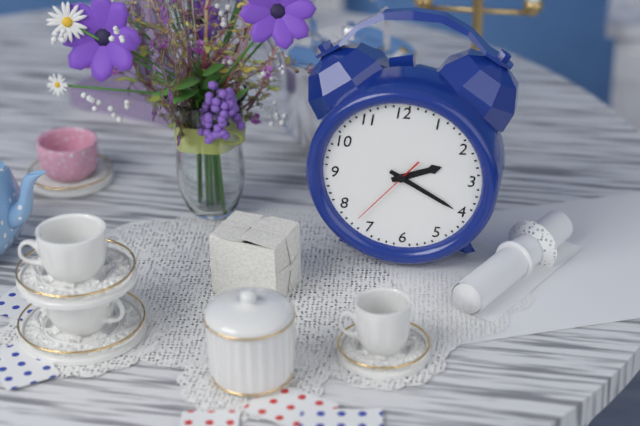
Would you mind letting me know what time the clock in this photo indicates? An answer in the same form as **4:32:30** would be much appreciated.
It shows **2:20:37**
